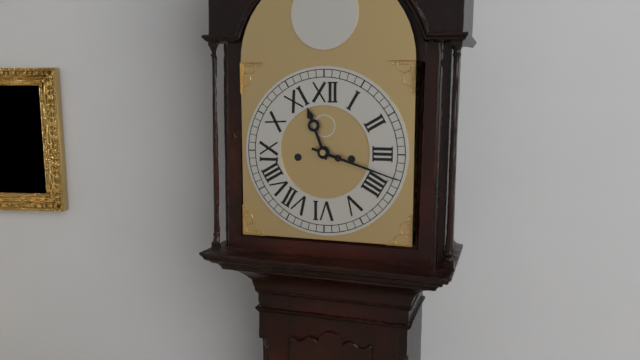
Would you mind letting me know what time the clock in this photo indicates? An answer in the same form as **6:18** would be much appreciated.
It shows **11:18**
